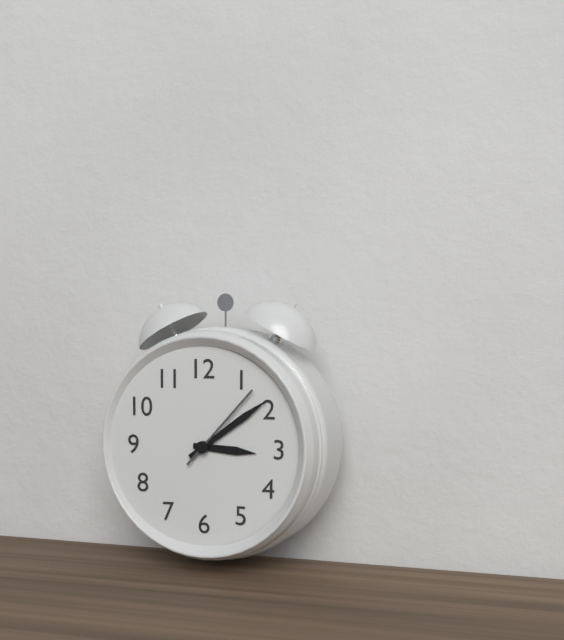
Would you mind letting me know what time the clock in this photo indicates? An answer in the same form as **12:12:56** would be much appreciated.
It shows **3:09:07**
